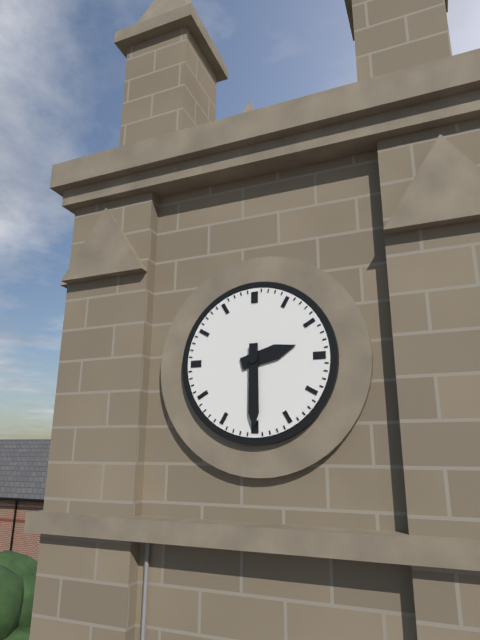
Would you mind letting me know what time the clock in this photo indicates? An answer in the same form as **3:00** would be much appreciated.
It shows **2:30**
